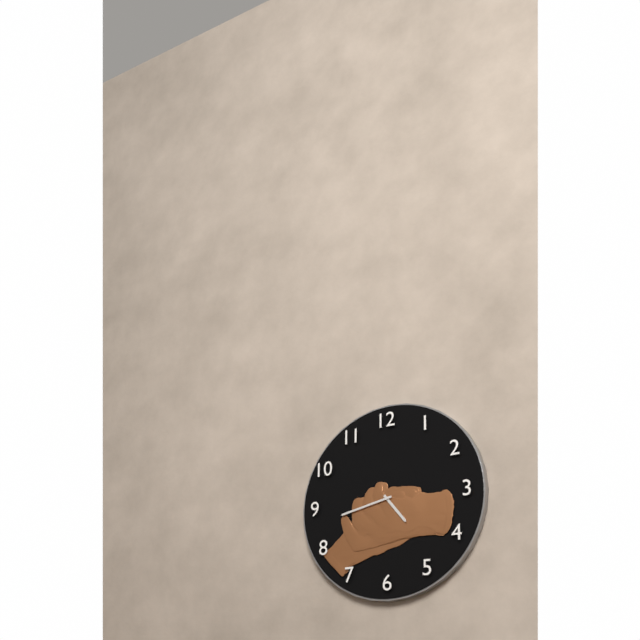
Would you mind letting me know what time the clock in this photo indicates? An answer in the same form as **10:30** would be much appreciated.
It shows **4:43**
